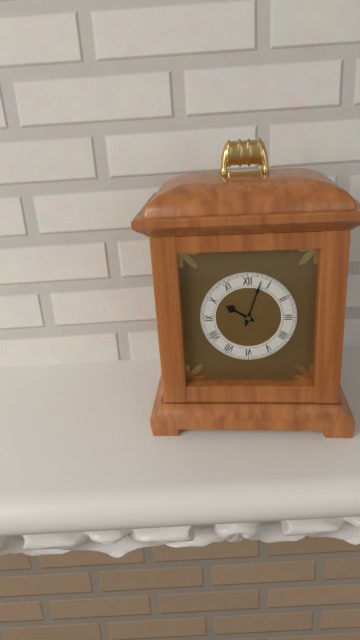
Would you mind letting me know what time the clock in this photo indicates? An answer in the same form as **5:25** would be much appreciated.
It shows **10:03**
